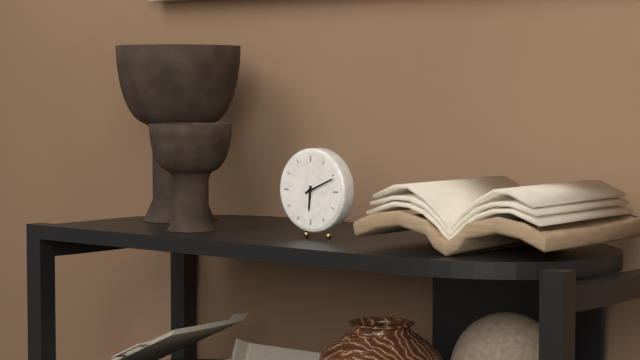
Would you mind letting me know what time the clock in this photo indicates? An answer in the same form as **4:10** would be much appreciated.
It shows **6:11**
